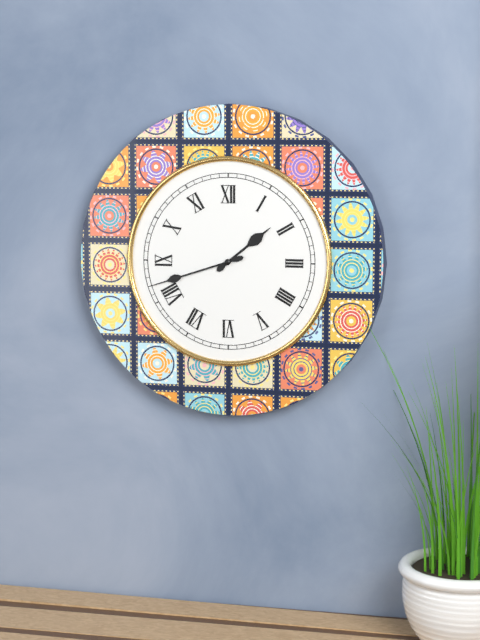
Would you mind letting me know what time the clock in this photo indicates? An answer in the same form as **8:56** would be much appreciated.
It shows **1:42**
